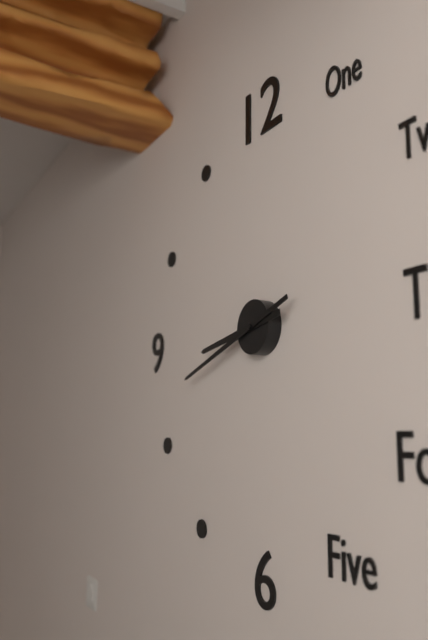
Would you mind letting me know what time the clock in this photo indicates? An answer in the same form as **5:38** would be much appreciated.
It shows **8:42**
